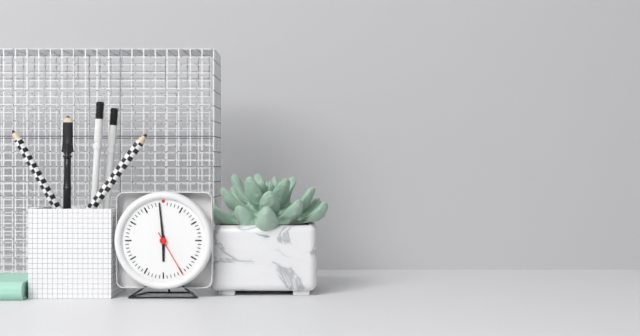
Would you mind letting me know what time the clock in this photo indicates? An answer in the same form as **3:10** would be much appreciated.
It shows **5:59**
